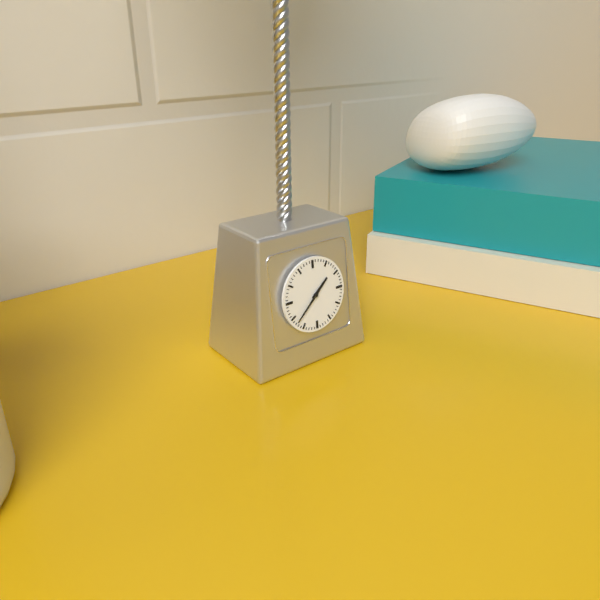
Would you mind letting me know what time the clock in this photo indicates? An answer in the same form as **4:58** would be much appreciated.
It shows **1:38**
